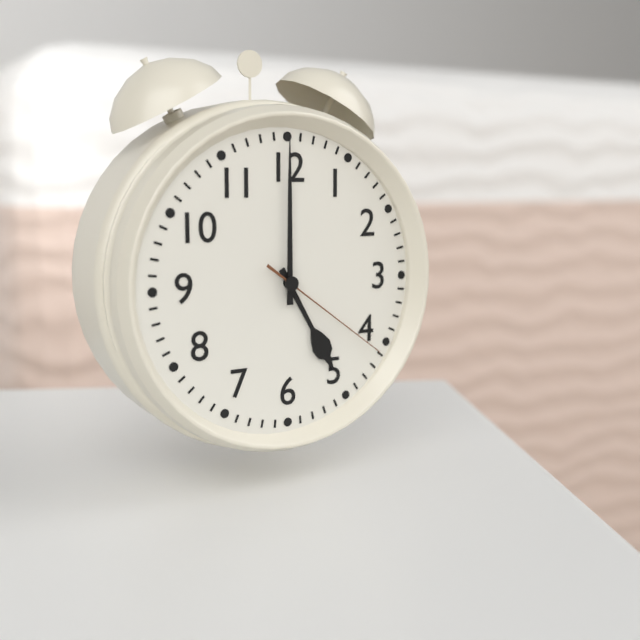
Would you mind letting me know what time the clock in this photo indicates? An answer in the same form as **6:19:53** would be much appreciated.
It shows **5:00:21**
